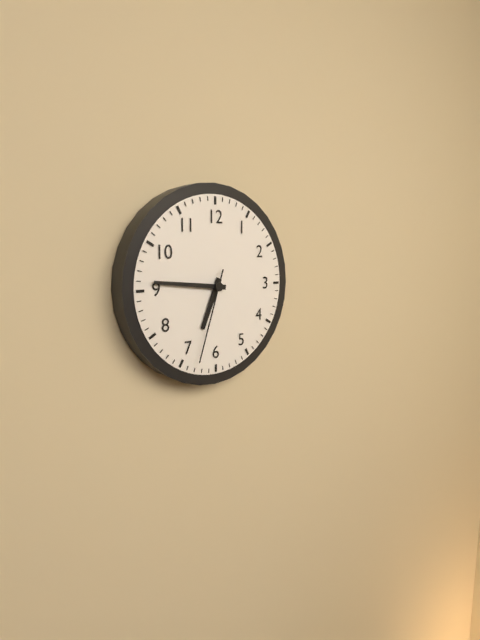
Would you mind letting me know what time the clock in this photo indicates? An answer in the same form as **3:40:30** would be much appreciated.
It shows **6:46:33**
